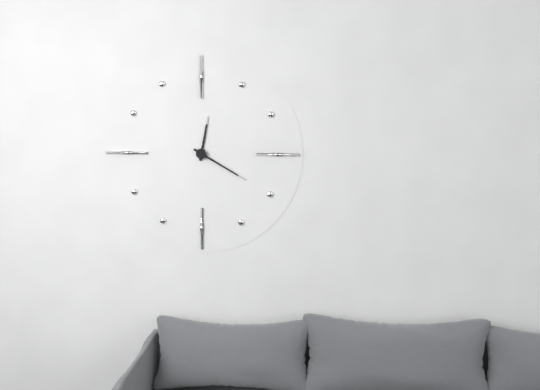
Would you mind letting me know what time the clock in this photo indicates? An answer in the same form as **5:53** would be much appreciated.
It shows **12:20**
